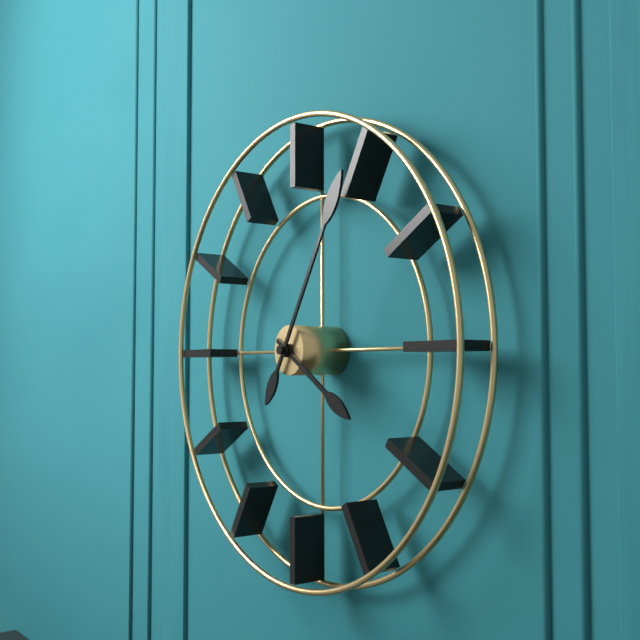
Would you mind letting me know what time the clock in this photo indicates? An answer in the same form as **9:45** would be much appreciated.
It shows **4:05**
